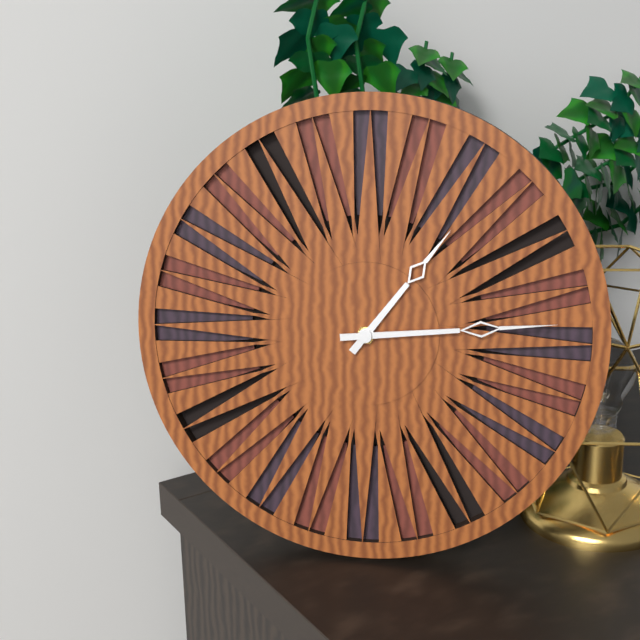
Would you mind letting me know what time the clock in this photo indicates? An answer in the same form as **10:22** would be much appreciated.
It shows **1:14**
